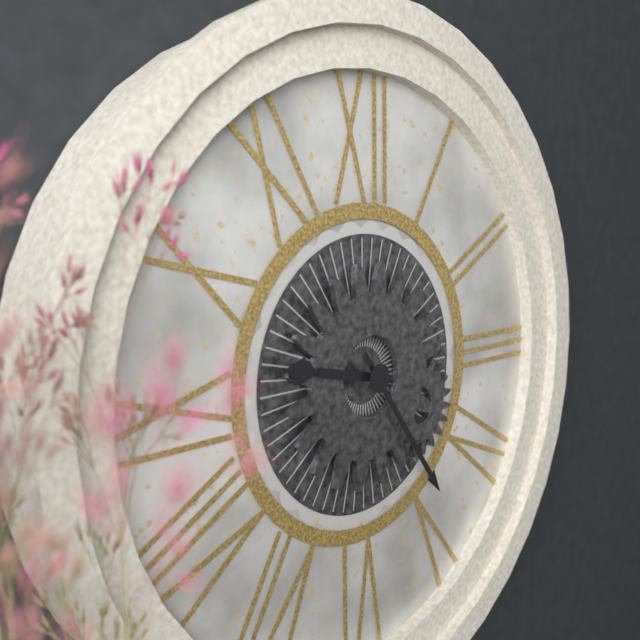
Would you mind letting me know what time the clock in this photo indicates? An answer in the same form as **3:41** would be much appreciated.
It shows **9:24**
